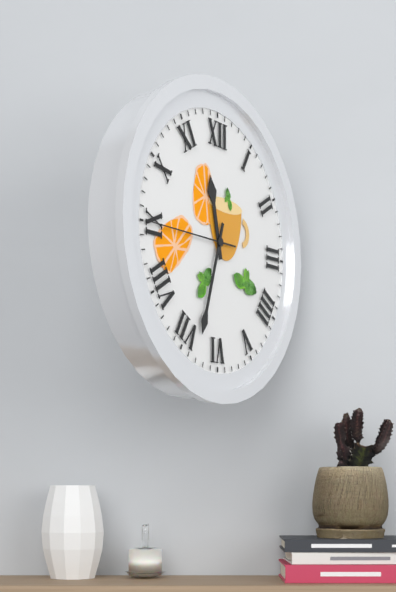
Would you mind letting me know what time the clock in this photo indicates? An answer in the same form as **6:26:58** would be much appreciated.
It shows **11:33:45**
